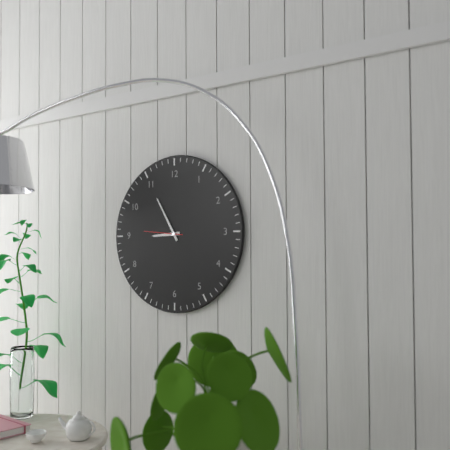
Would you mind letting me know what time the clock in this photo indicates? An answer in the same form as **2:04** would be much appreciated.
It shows **8:55**
